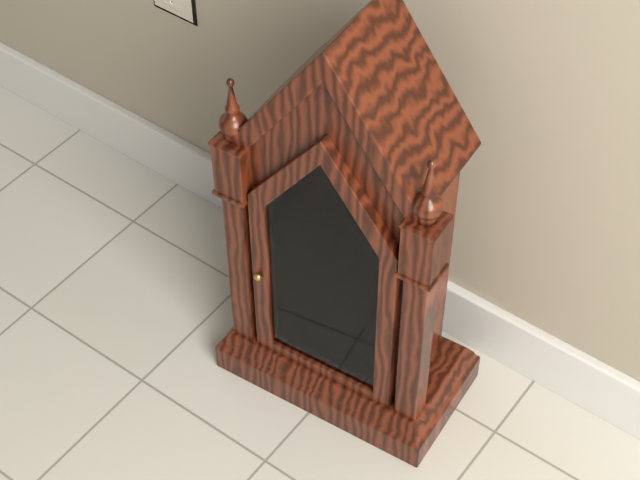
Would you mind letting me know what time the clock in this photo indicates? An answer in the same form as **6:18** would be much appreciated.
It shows **10:18**
